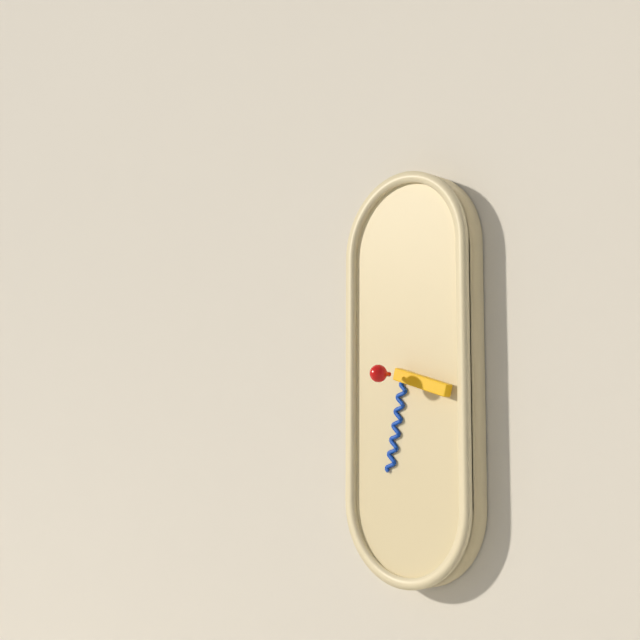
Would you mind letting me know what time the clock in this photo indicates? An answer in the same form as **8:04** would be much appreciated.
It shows **3:32**
